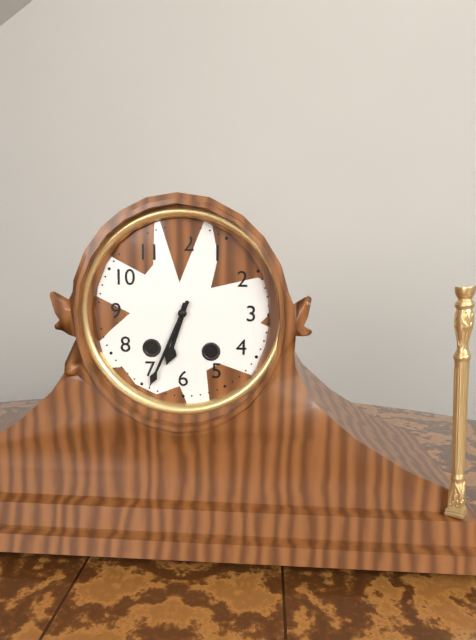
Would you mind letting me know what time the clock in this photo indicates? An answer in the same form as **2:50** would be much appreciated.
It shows **6:34**
